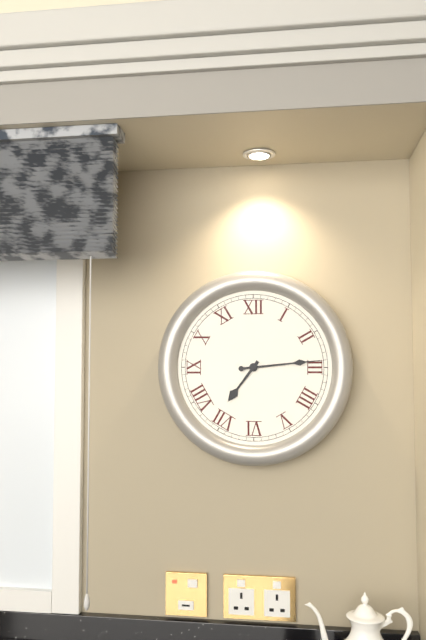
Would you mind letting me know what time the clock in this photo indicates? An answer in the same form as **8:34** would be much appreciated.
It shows **7:14**
